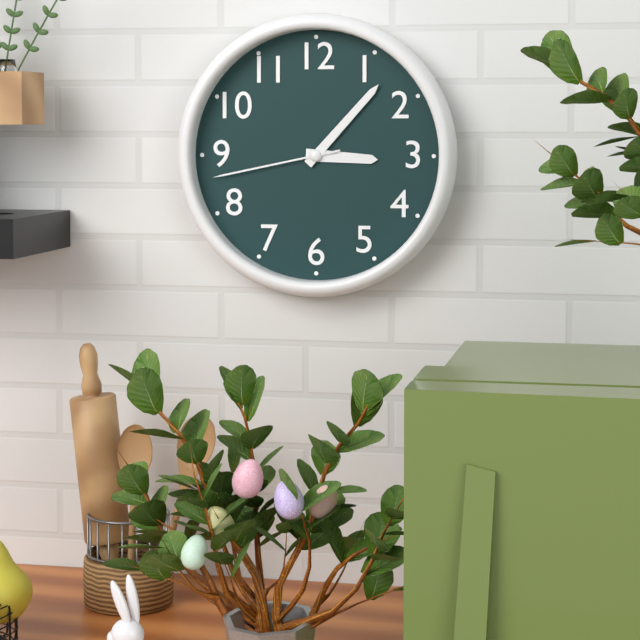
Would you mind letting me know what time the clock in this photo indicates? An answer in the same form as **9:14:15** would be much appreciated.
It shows **3:07:43**
